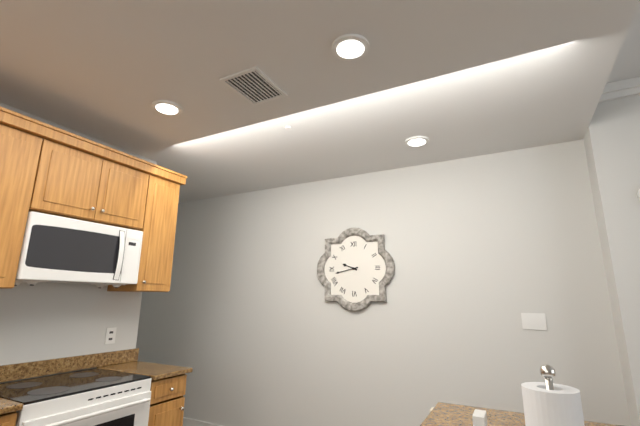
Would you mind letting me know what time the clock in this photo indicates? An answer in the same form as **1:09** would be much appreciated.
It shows **9:43**
